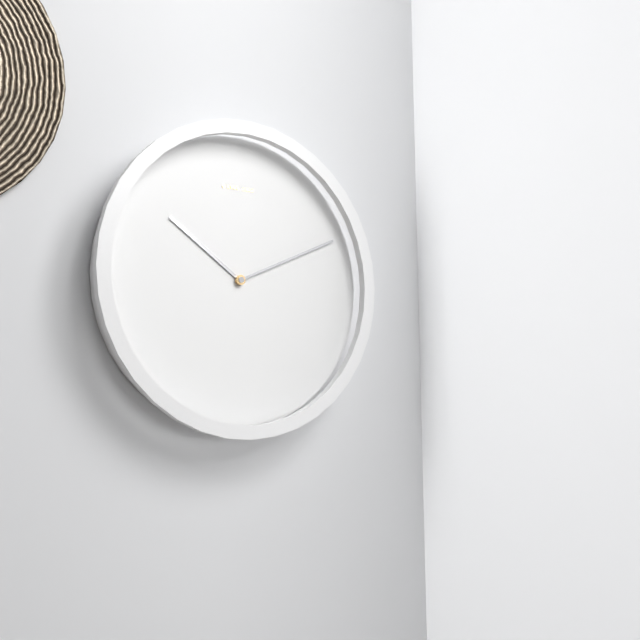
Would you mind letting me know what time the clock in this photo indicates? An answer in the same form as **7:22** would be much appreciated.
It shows **10:11**
